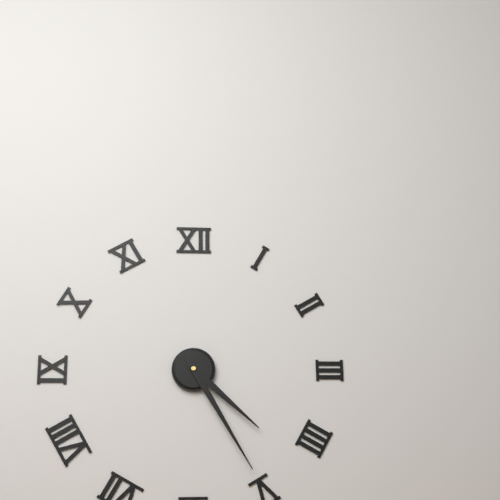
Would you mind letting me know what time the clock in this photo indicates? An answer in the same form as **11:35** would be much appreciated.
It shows **4:25**
